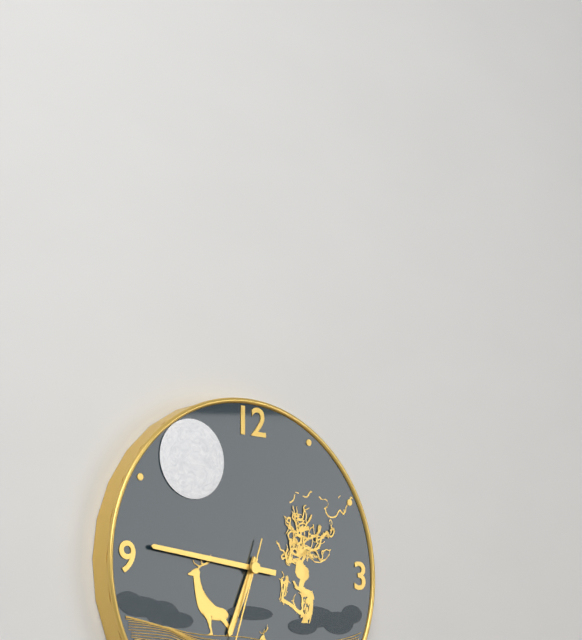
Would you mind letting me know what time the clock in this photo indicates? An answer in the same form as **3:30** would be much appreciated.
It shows **6:46**
